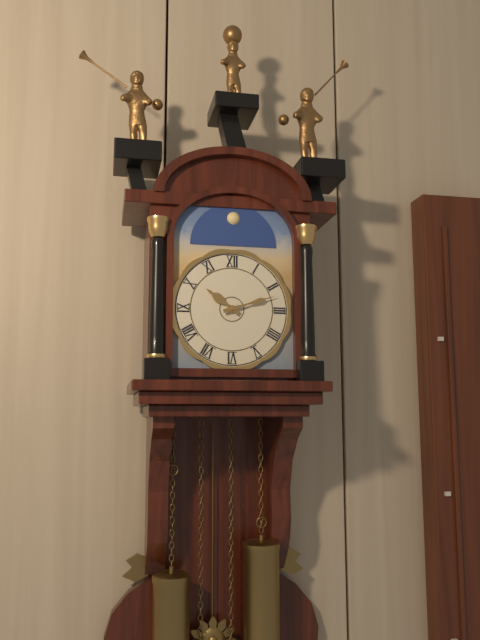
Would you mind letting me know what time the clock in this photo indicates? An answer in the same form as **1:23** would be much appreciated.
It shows **10:12**
